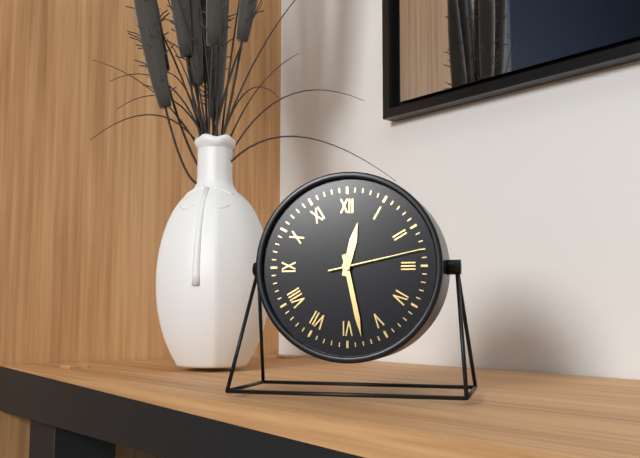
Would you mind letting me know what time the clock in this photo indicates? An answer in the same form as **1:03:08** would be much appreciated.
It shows **12:28:13**
